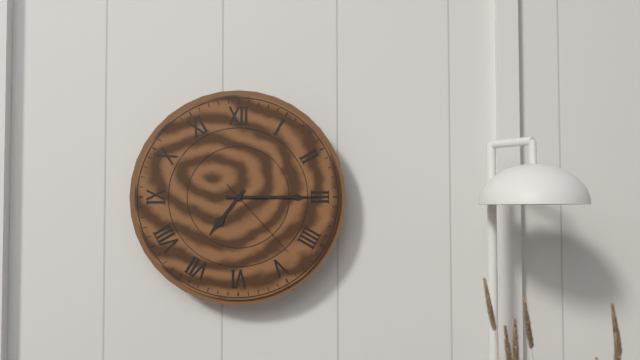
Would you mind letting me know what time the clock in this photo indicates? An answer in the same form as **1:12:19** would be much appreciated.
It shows **7:15:23**
